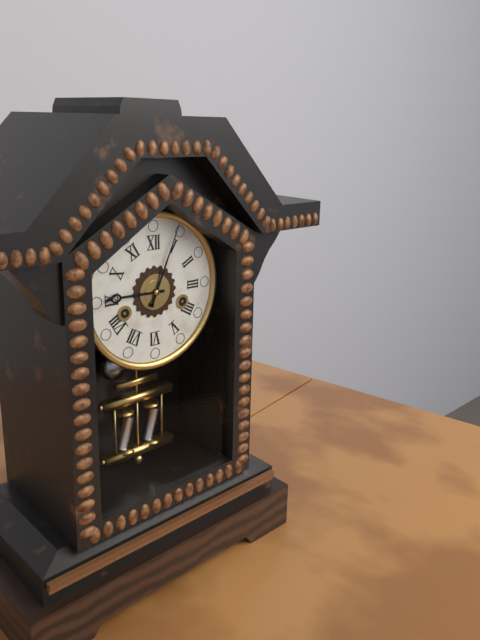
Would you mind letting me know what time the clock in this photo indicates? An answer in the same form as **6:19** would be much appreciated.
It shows **9:04**
